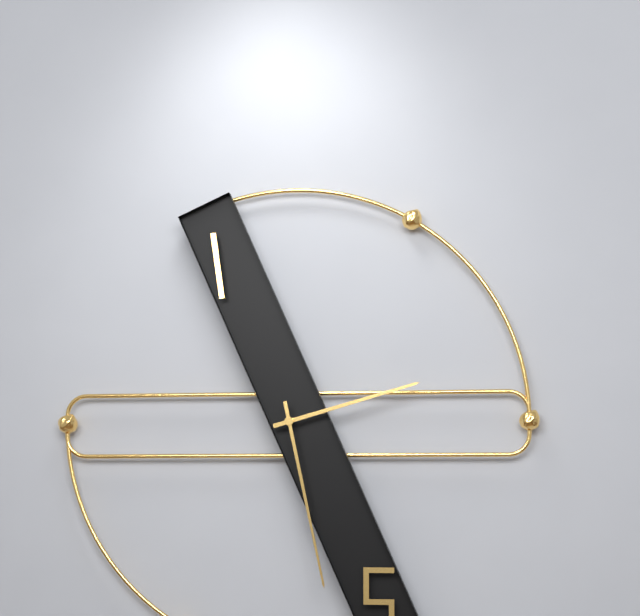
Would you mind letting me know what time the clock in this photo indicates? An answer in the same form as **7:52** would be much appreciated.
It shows **2:28**
